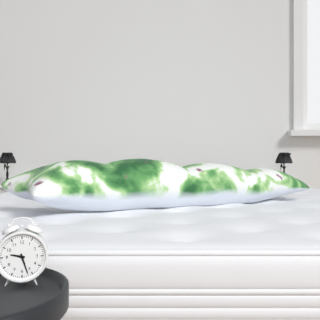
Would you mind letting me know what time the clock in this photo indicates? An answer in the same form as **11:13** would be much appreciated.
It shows **9:27**
